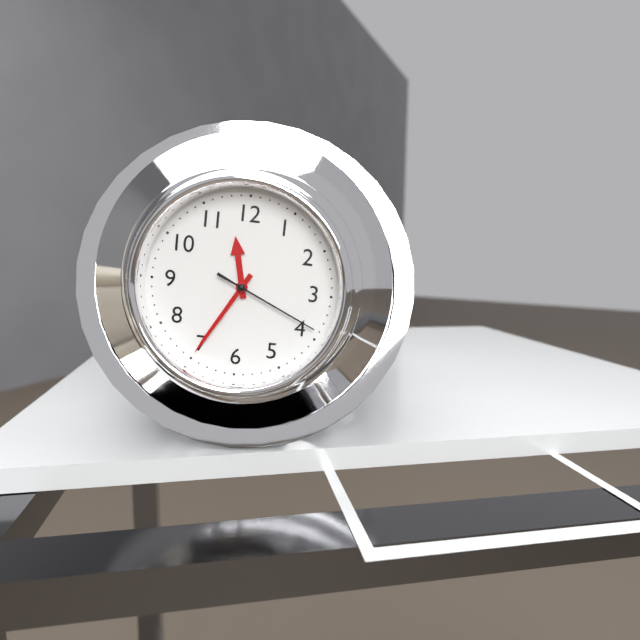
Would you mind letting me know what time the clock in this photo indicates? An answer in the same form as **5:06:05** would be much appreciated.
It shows **11:35:19**
